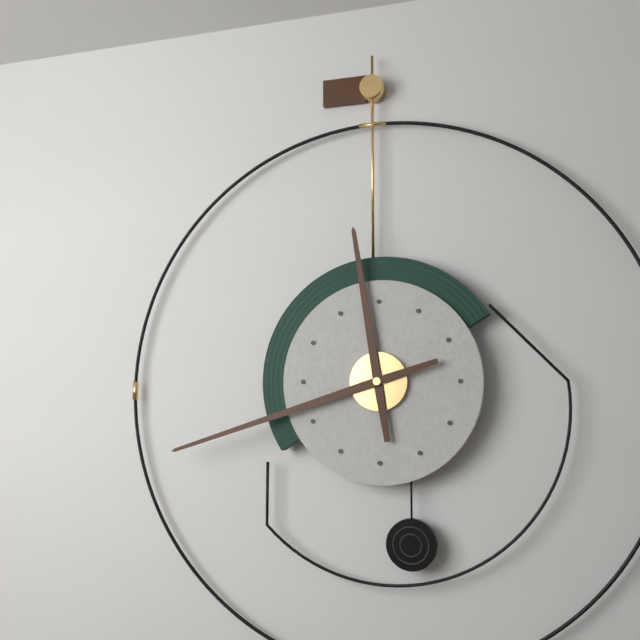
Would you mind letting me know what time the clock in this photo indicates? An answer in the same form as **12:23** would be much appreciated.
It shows **11:42**
